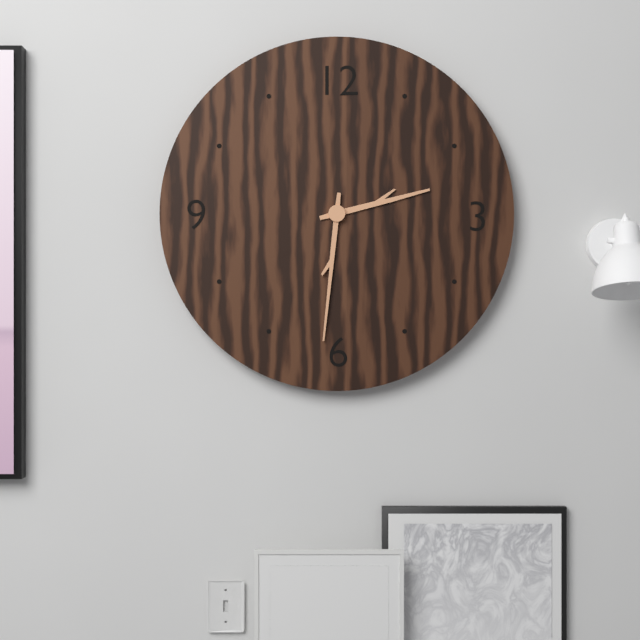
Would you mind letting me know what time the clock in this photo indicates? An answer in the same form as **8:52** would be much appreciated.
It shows **2:31**
